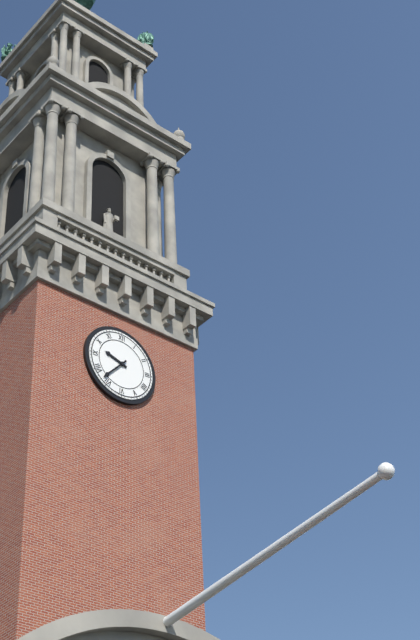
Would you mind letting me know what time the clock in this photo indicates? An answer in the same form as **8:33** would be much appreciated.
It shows **9:37**
